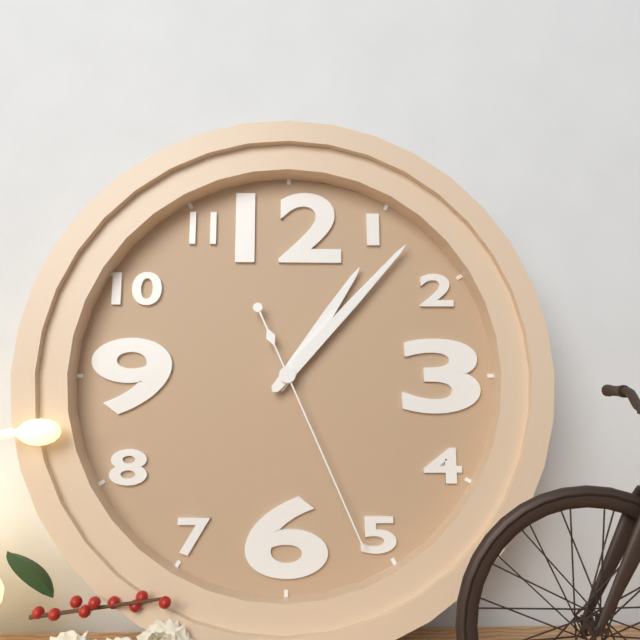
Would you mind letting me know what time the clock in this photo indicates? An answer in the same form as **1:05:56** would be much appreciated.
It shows **1:07:26**
